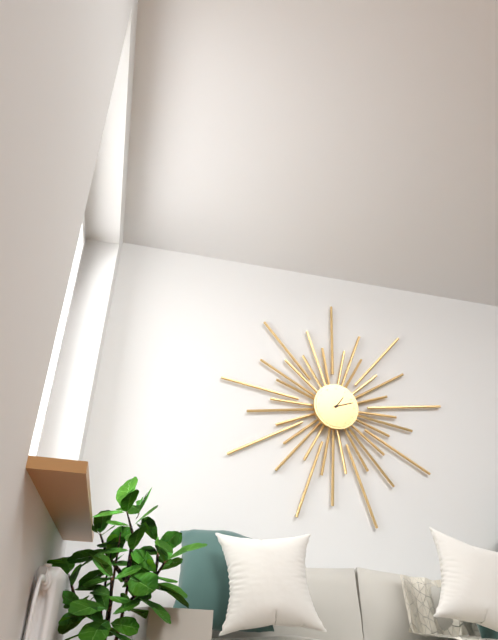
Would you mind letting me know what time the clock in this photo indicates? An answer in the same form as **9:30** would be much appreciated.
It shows **1:12**
